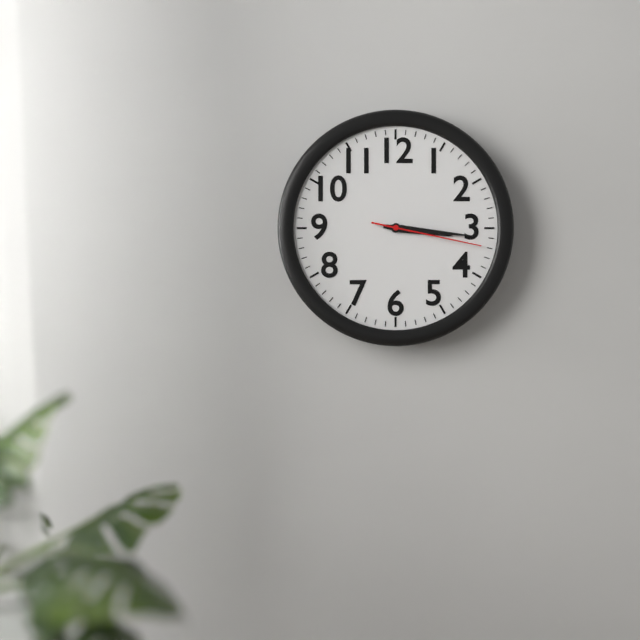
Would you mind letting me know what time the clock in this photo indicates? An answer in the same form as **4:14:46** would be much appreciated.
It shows **3:16:17**
